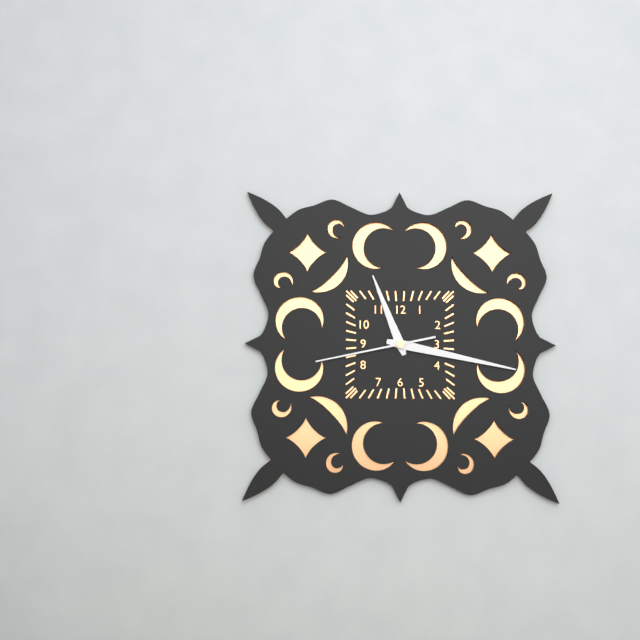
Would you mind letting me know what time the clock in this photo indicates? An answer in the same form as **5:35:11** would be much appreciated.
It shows **11:17:43**
